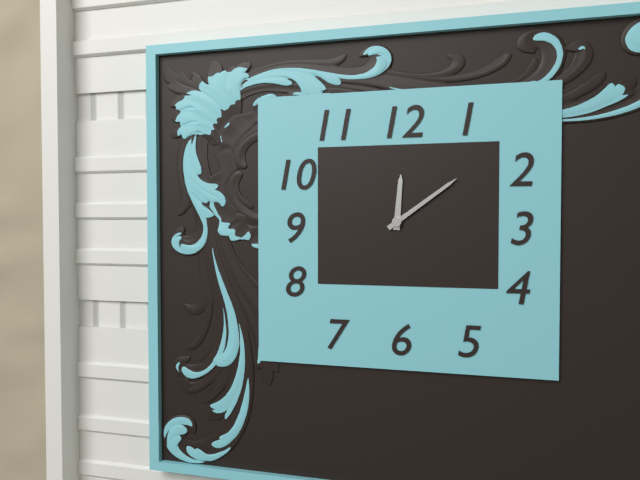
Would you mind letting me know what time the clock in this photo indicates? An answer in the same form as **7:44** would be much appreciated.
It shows **12:09**
